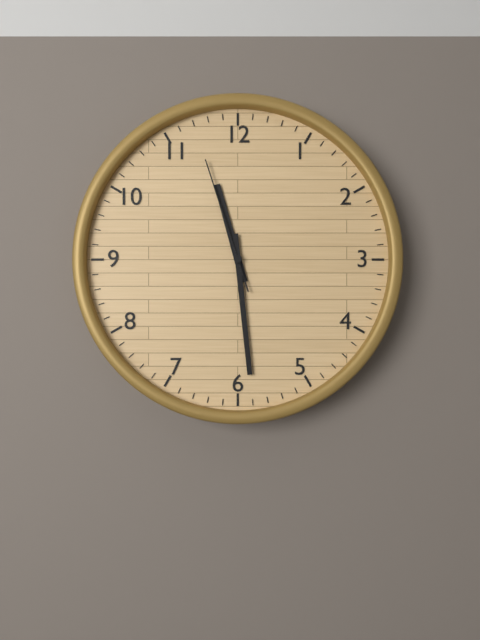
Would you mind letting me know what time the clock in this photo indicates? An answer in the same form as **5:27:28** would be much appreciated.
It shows **11:29:57**
